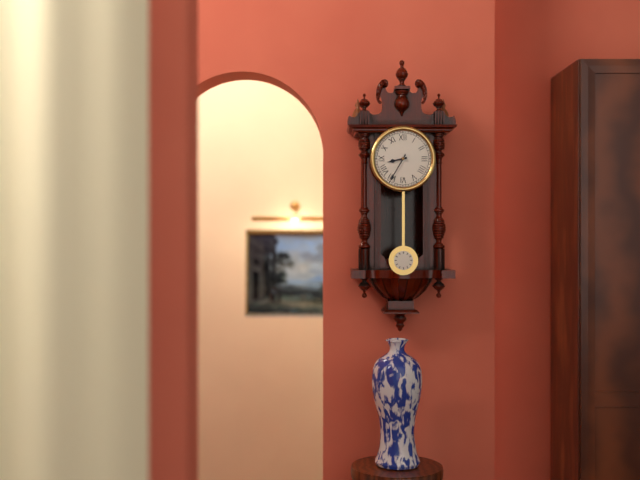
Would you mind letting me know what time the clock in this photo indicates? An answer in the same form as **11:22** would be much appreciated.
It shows **8:35**
